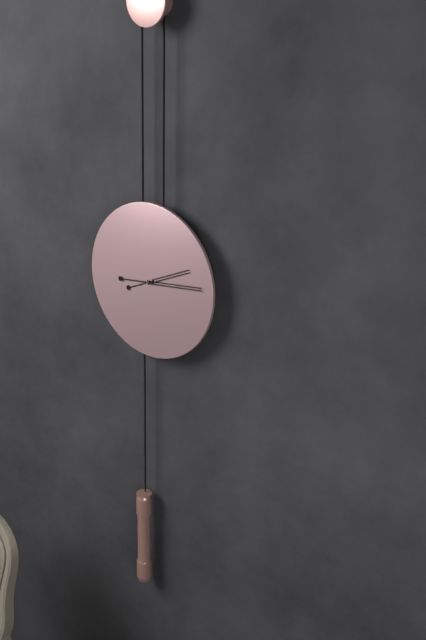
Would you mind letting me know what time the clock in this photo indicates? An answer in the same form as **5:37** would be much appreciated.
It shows **2:14**
